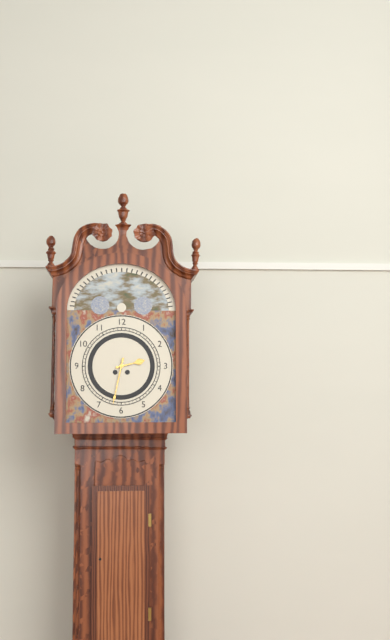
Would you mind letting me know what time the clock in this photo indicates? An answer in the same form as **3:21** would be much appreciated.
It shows **2:32**
